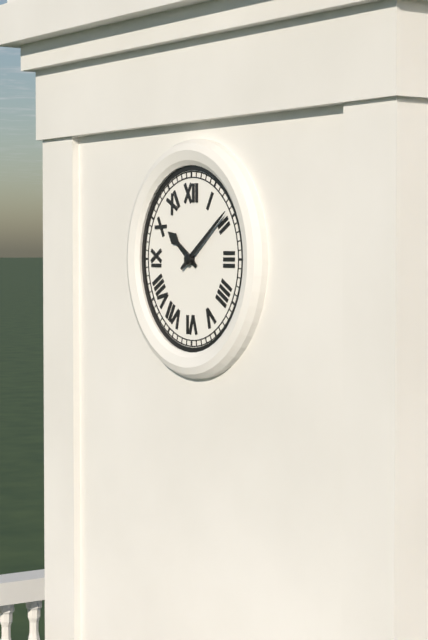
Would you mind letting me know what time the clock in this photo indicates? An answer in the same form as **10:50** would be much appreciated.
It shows **10:09**
